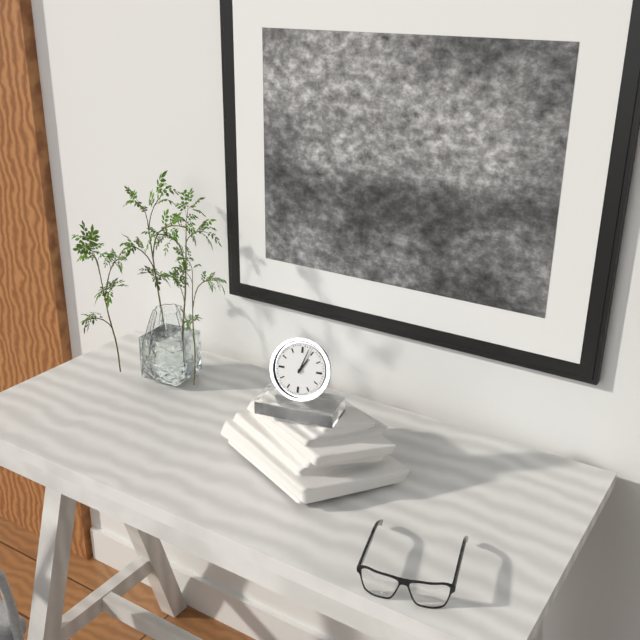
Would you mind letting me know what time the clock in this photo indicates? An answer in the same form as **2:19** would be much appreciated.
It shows **1:03**
